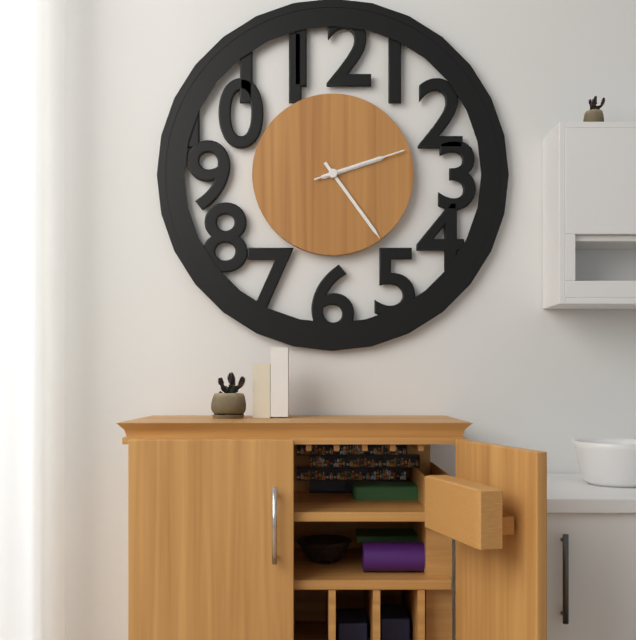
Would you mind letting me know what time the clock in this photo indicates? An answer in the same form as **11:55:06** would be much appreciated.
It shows **2:24:12**
